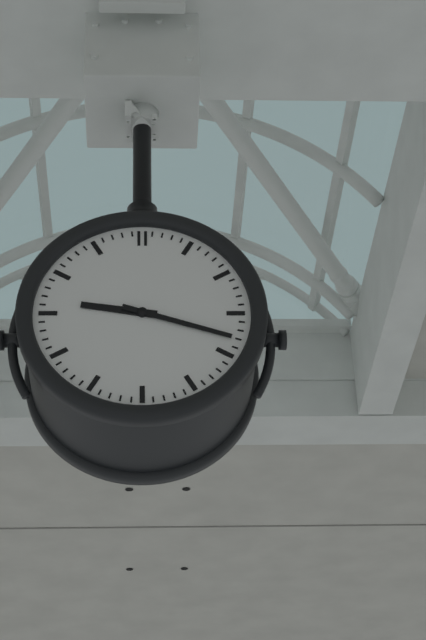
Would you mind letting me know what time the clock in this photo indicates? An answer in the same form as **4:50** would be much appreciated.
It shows **9:18**
